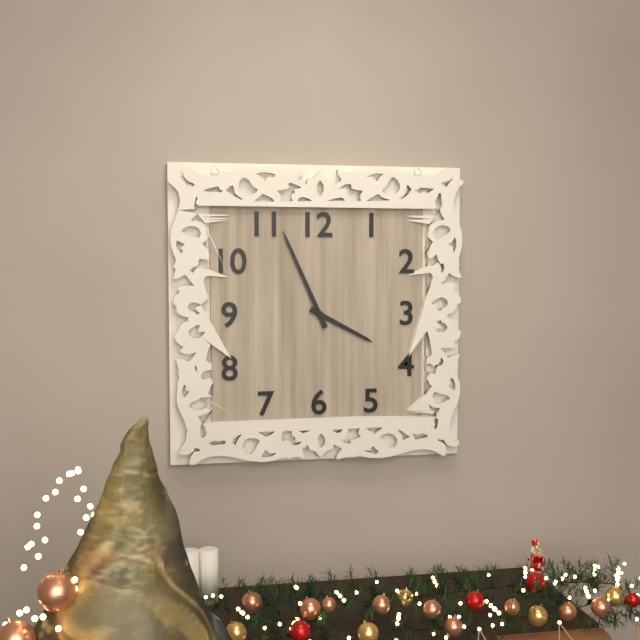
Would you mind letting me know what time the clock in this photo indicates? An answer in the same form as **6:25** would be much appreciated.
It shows **3:56**
